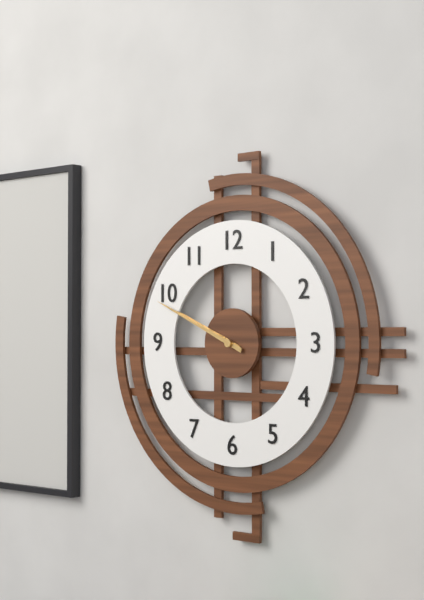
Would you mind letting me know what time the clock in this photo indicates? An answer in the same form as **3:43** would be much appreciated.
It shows **9:49**
